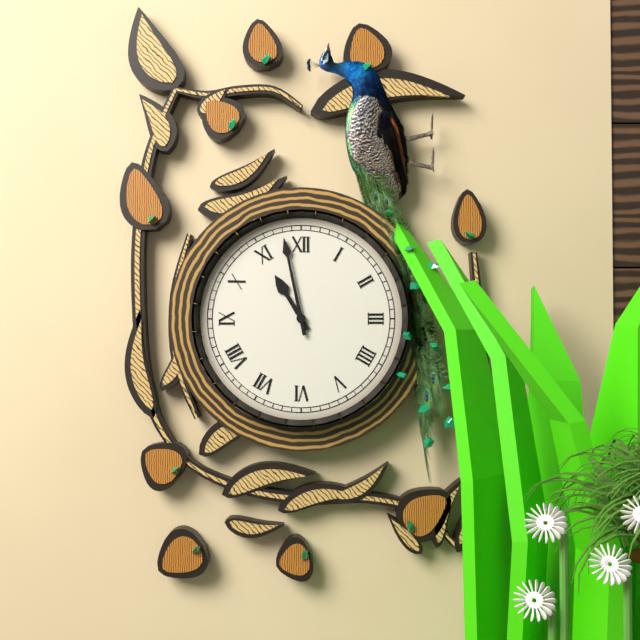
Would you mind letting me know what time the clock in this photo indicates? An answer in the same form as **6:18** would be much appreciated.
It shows **10:58**
